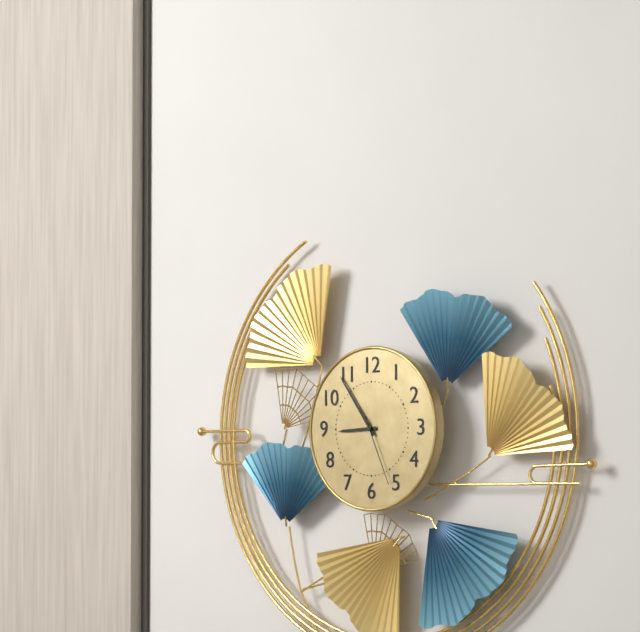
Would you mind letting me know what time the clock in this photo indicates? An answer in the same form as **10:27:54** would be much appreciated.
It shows **8:54:26**
